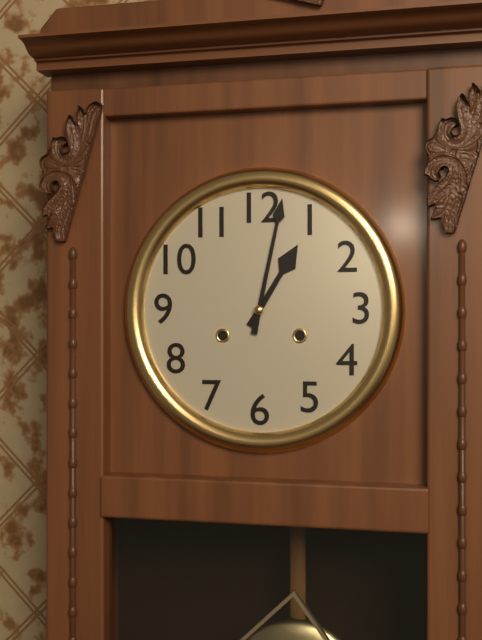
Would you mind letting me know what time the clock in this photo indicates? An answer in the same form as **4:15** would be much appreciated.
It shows **1:02**
